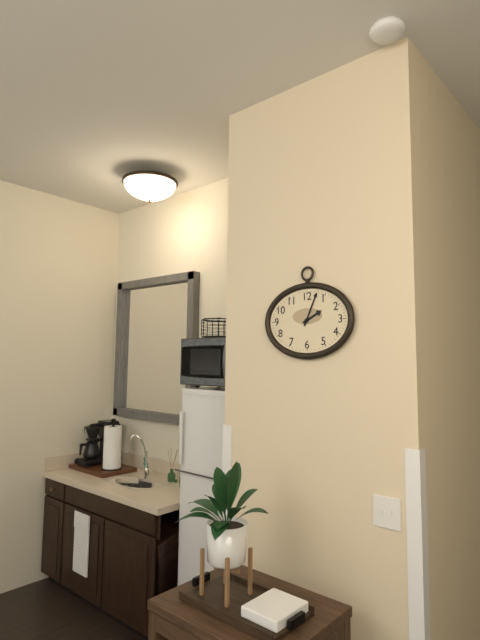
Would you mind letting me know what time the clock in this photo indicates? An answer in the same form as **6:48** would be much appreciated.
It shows **2:04**
